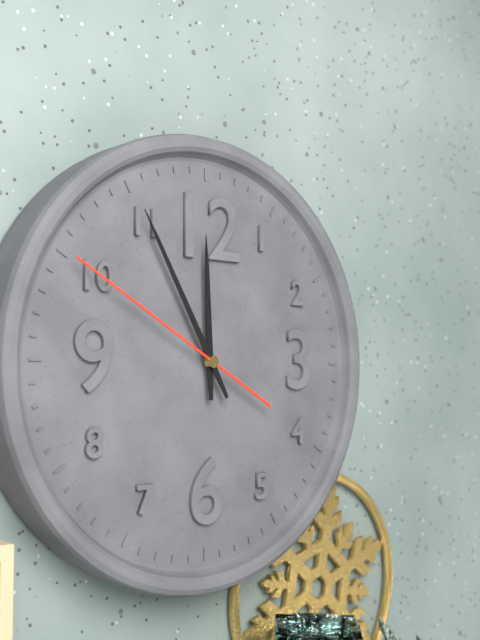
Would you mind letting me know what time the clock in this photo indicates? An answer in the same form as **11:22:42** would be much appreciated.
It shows **11:55:50**
